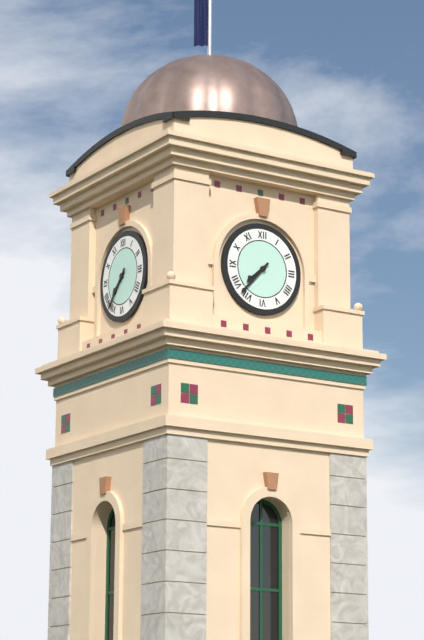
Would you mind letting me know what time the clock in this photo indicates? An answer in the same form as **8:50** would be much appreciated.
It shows **7:37**
